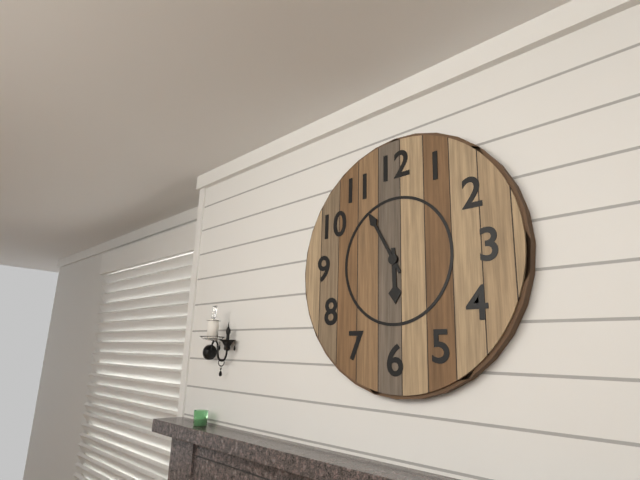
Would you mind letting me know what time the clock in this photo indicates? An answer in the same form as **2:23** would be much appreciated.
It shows **5:55**
